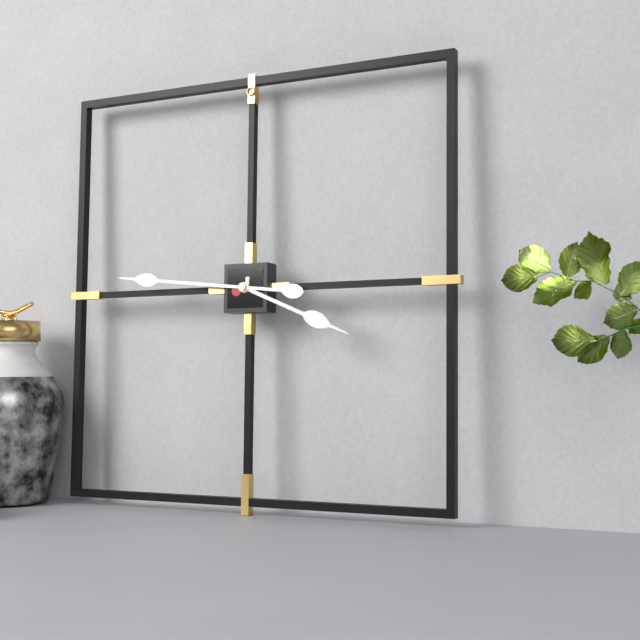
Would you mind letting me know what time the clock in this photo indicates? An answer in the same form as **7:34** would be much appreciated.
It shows **3:46**
